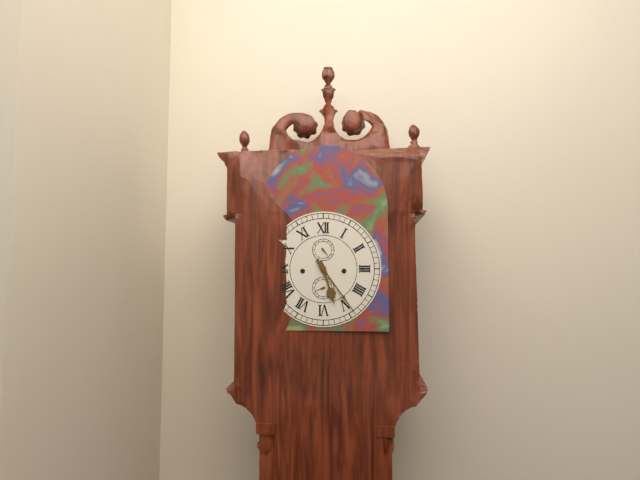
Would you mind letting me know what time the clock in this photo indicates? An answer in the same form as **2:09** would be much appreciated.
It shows **5:24**
